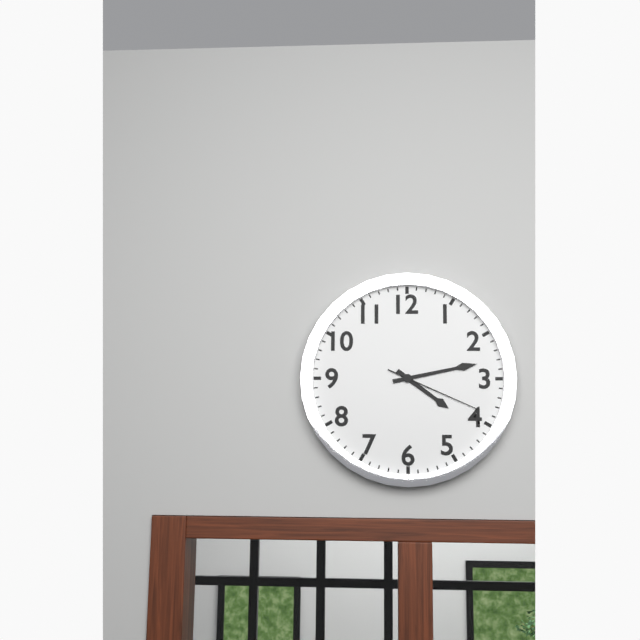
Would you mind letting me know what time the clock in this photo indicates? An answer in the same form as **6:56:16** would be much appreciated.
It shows **4:13:19**
